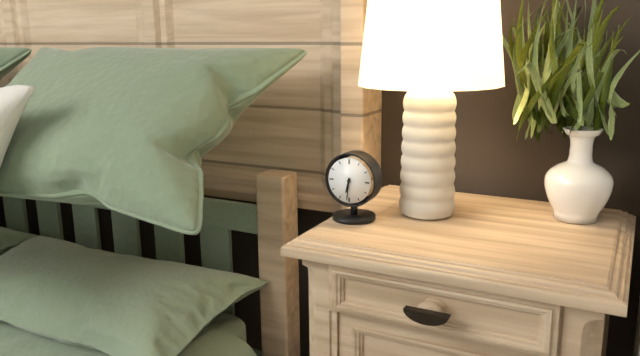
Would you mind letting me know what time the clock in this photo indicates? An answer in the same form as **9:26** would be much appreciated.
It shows **6:31**
